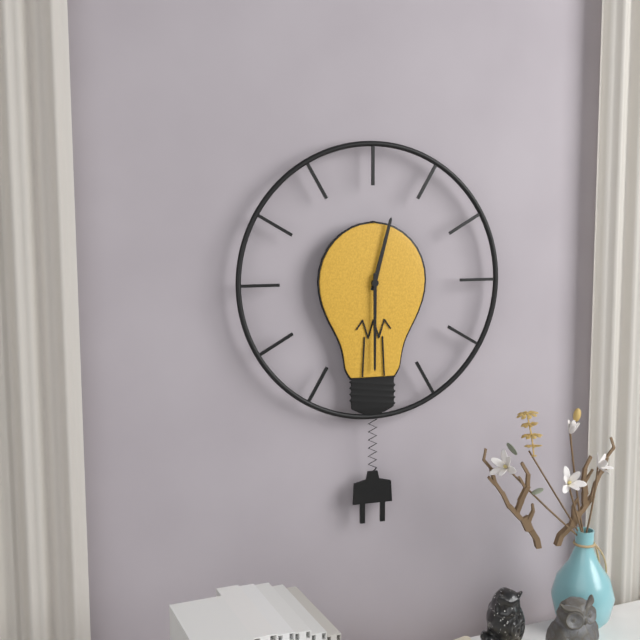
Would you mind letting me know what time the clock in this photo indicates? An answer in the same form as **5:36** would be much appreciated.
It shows **12:30**
